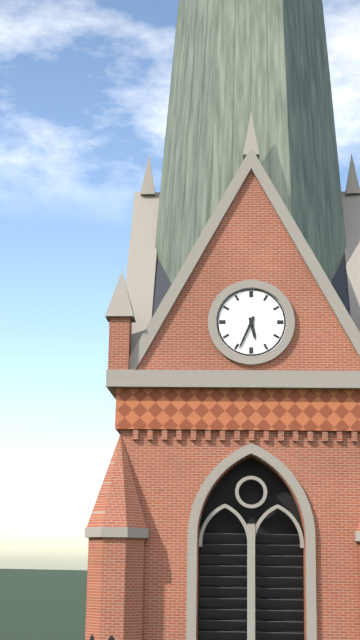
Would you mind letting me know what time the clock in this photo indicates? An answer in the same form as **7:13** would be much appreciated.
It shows **5:34**
